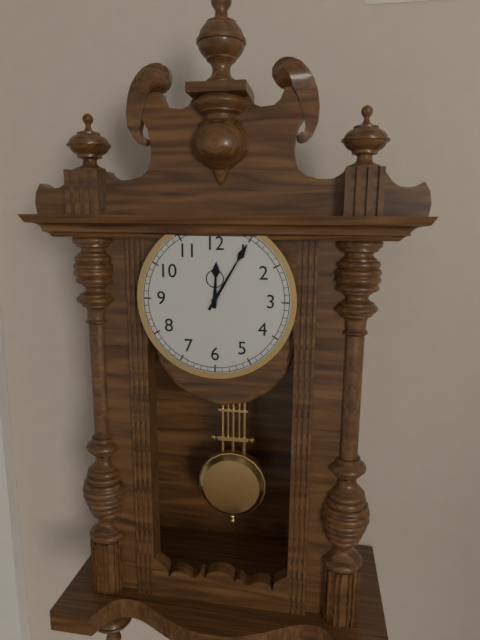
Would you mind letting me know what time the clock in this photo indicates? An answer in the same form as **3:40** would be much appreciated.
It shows **12:05**
